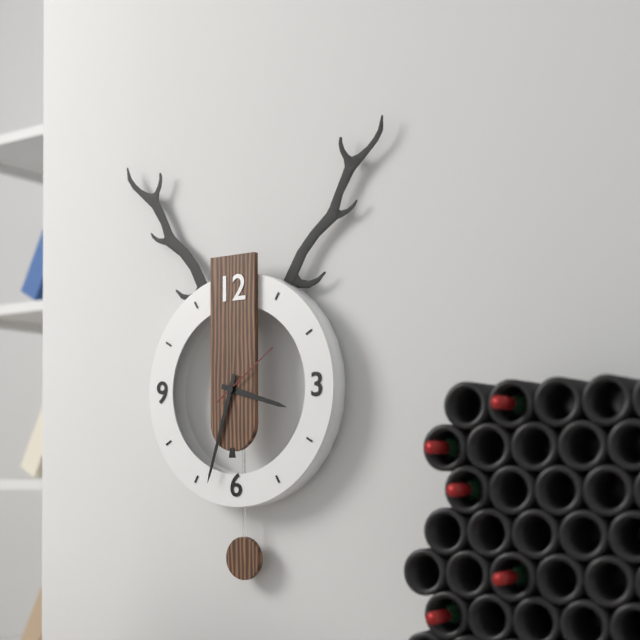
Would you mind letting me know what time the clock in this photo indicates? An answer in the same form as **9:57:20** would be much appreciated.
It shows **3:33:09**
